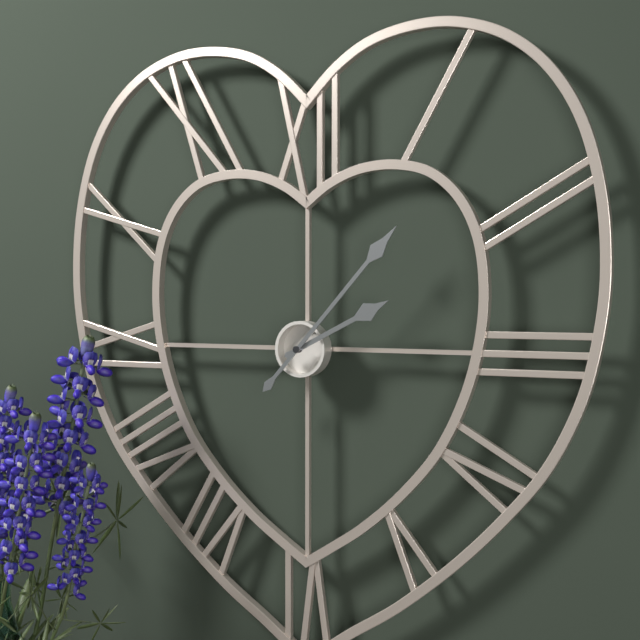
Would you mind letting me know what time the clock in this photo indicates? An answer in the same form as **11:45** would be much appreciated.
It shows **2:07**
